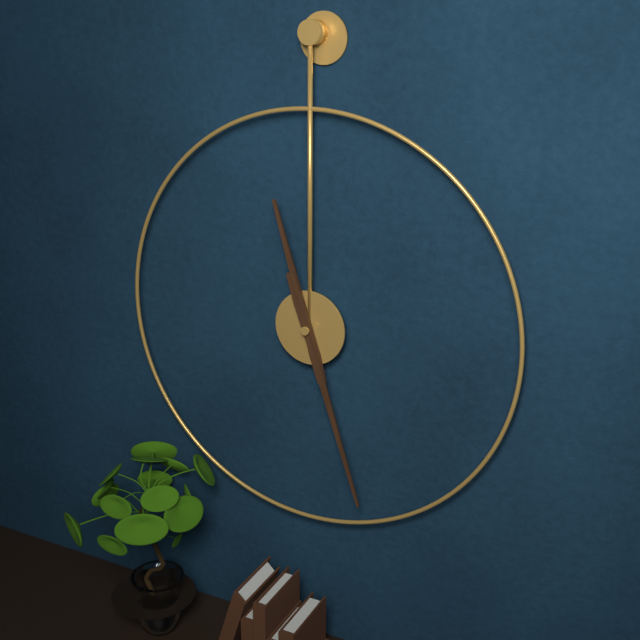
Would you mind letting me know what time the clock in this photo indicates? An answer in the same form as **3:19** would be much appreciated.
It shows **11:27**
